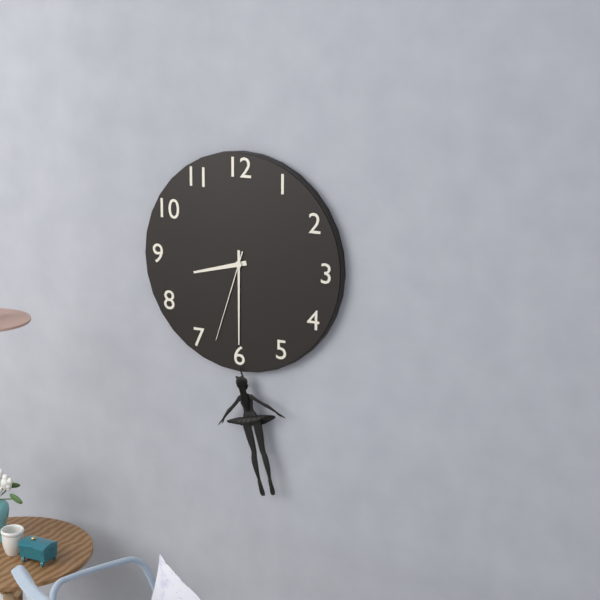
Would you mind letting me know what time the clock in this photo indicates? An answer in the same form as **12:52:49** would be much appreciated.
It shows **8:30:33**
